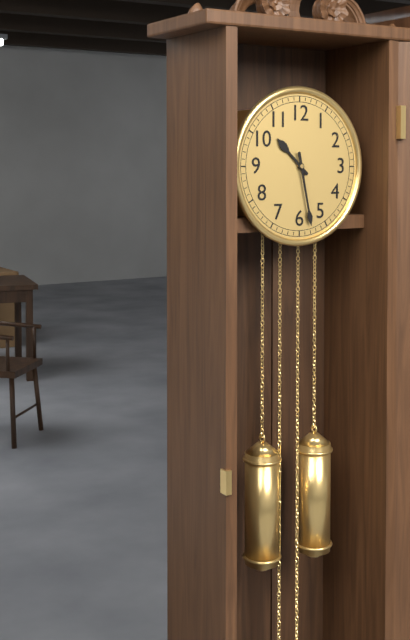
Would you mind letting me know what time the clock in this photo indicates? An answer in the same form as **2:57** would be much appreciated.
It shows **10:28**
